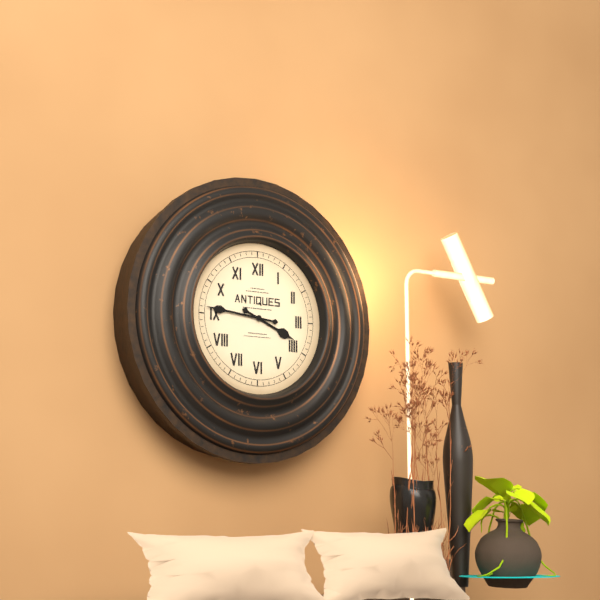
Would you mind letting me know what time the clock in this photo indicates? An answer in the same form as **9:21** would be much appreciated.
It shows **3:46**
